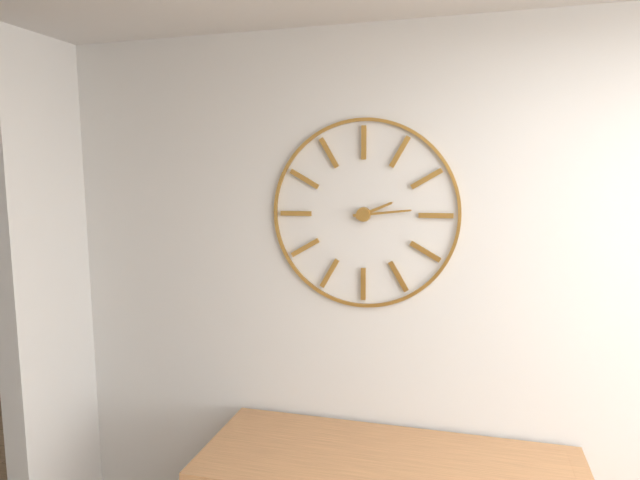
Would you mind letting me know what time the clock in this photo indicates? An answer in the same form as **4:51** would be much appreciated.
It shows **2:14**
